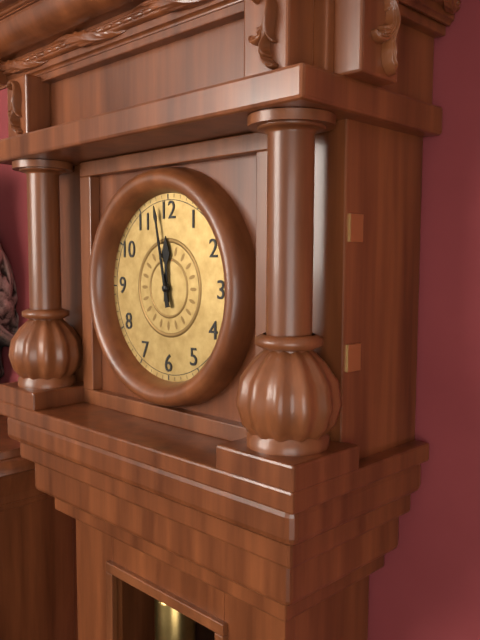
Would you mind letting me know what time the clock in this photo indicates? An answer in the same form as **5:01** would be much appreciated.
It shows **11:58**
